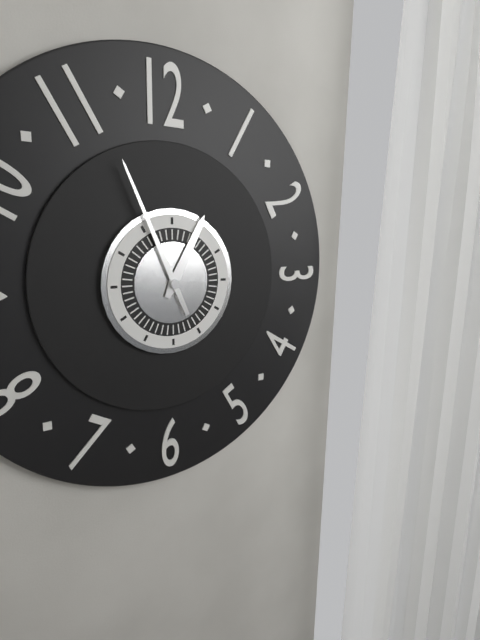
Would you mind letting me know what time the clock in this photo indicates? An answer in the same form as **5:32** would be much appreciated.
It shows **12:56**
